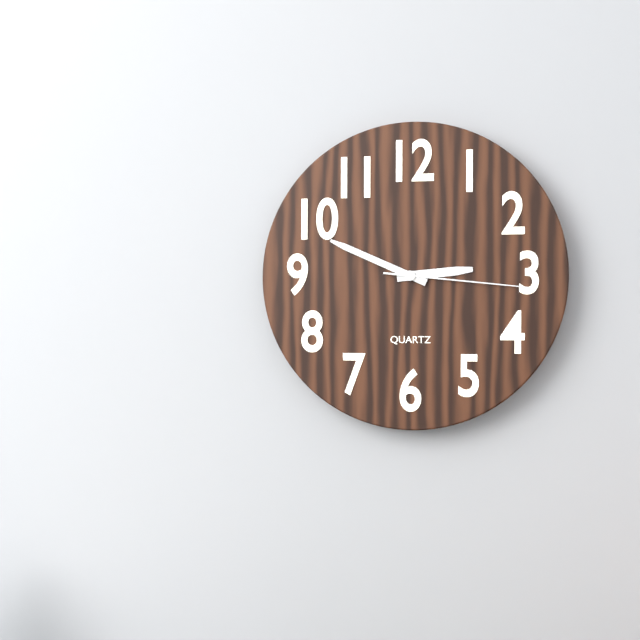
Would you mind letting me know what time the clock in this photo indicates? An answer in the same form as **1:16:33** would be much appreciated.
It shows **2:49:16**
